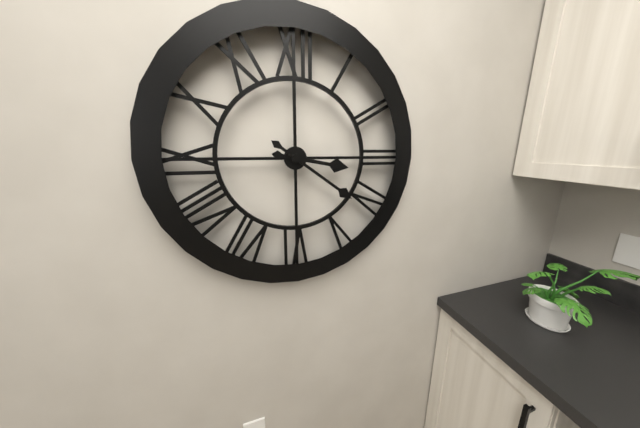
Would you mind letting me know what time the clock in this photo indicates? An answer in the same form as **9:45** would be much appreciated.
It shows **3:21**
